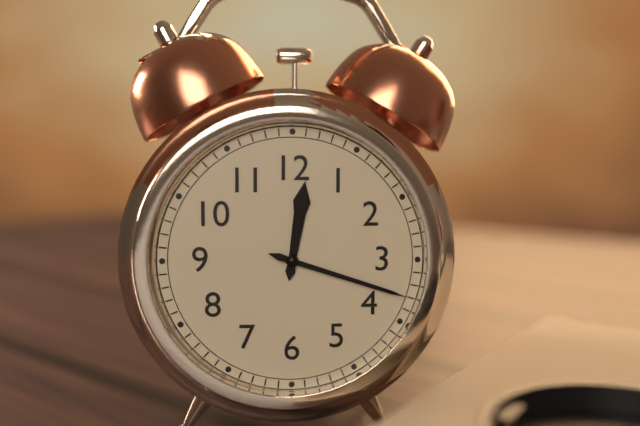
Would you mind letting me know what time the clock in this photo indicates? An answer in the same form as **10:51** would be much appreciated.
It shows **12:18**
